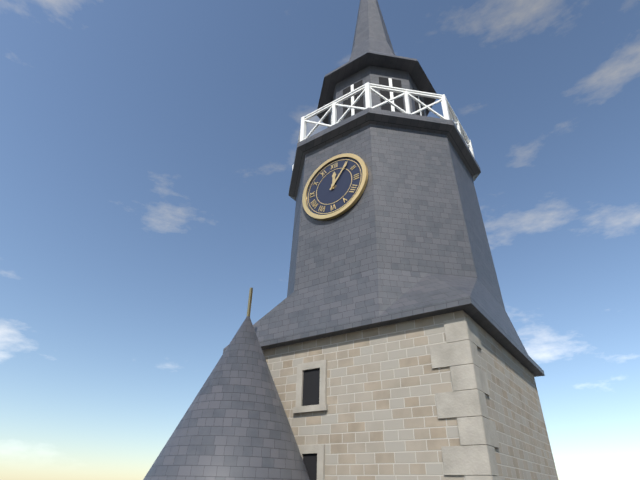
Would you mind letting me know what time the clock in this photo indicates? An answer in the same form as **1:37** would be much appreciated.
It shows **12:06**
